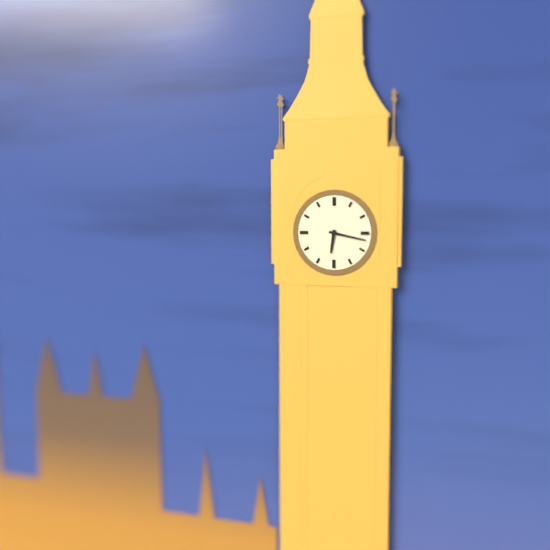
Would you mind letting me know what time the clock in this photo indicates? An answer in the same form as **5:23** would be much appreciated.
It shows **6:17**
